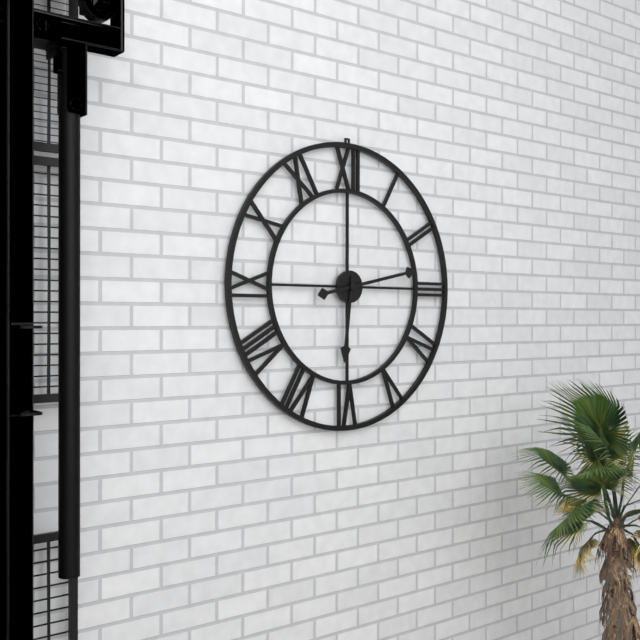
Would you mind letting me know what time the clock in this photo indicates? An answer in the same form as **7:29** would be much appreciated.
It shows **6:13**
